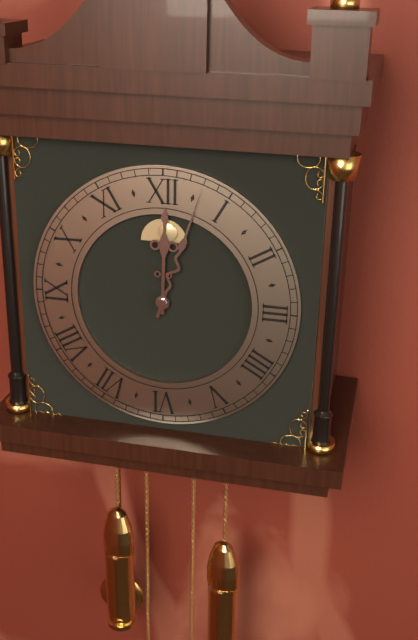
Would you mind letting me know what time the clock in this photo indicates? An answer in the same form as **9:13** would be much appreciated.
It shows **12:03**
